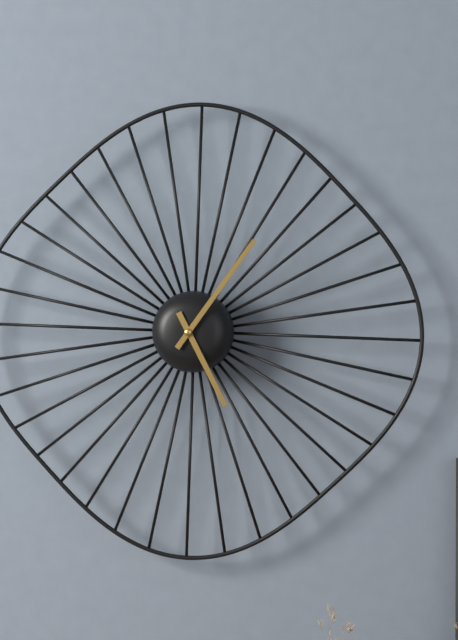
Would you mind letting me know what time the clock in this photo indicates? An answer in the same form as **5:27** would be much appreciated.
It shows **5:06**
